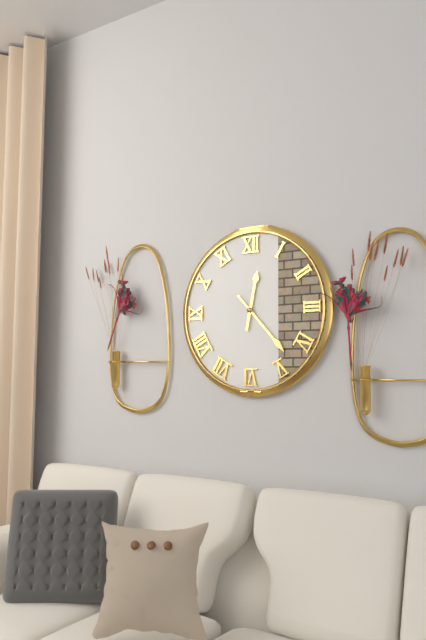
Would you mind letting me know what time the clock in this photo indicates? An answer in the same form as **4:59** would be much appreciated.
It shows **12:23**
